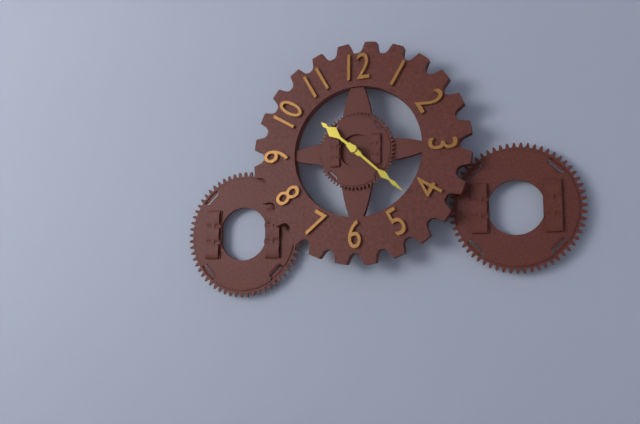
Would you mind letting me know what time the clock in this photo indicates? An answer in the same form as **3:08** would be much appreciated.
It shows **10:22**
